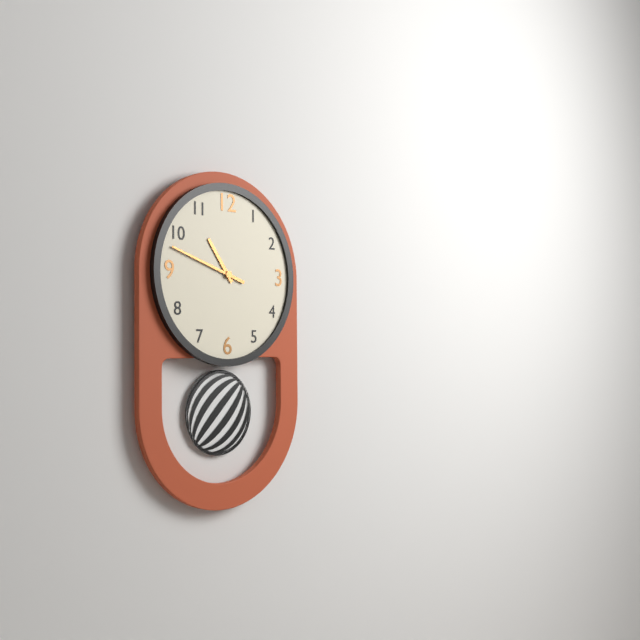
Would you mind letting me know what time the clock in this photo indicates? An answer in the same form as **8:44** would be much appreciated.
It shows **10:48**
